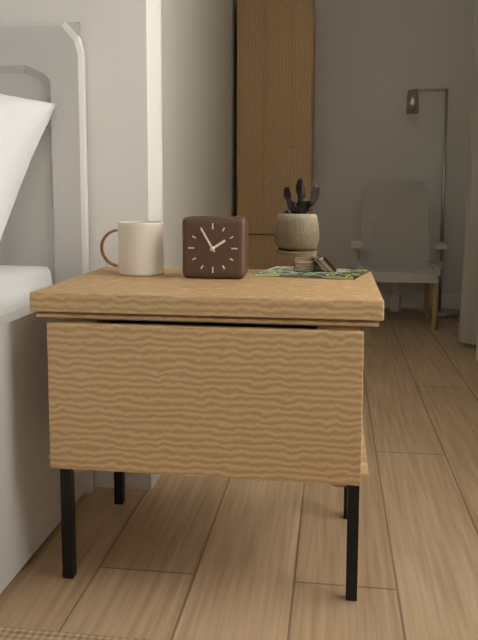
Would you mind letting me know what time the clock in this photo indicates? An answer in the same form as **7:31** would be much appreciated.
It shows **1:55**
